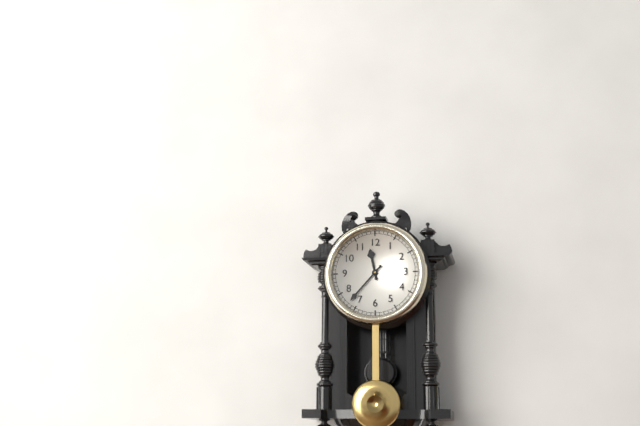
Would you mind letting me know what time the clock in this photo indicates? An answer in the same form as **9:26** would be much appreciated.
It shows **11:37**
